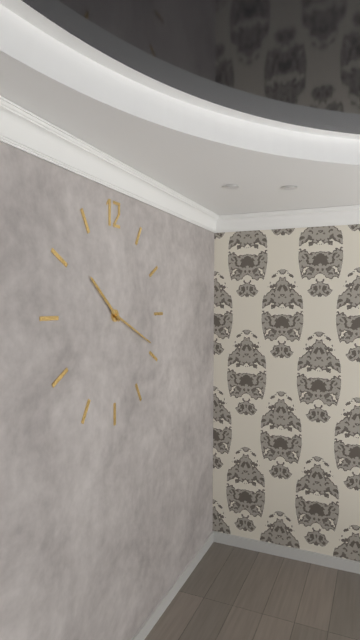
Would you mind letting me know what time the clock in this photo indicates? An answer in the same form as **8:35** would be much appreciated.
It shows **10:19**
